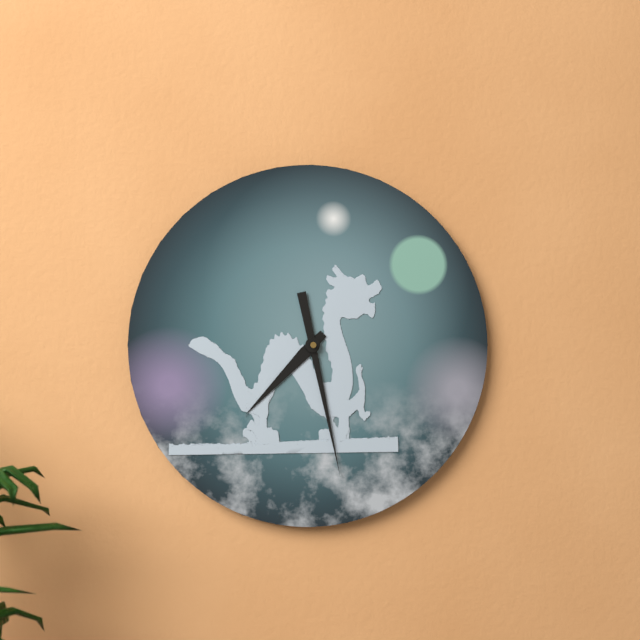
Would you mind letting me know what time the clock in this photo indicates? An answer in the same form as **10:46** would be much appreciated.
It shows **7:28**
